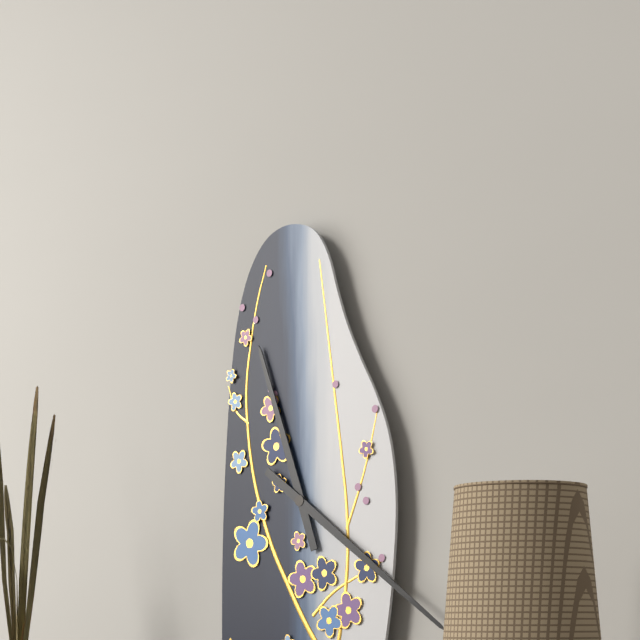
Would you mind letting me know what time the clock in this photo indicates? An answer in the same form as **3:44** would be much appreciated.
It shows **11:21**
